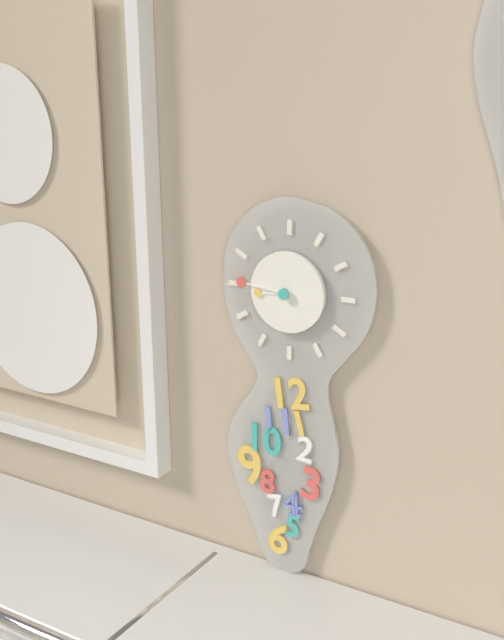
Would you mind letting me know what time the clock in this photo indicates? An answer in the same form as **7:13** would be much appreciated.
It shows **8:46**
